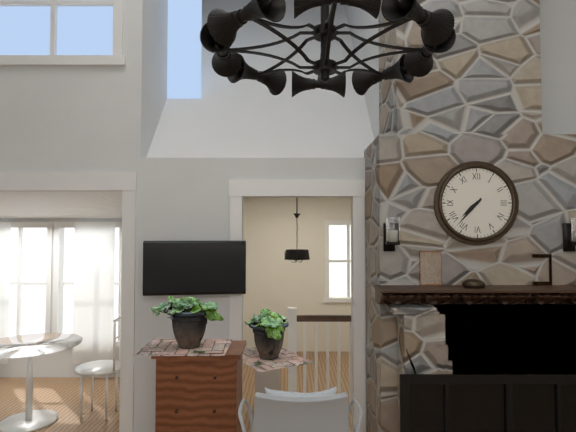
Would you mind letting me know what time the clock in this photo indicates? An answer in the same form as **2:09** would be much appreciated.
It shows **7:37**
